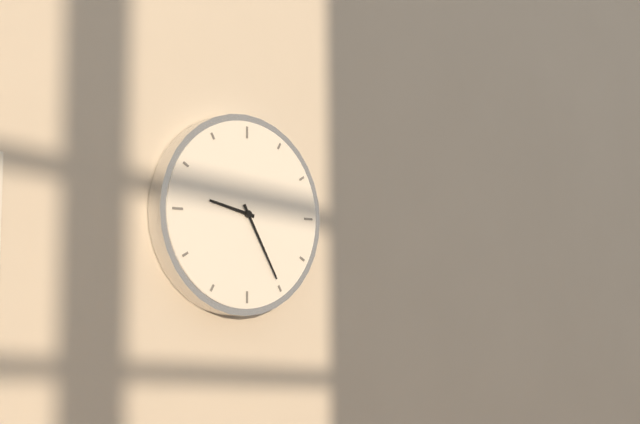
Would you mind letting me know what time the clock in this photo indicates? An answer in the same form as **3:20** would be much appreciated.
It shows **9:25**
